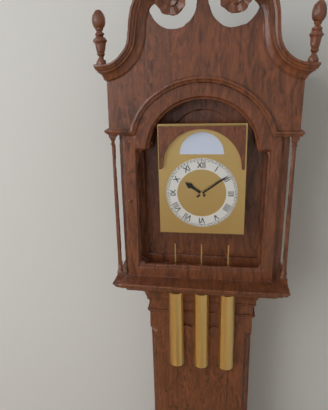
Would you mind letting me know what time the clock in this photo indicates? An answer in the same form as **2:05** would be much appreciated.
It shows **10:09**
